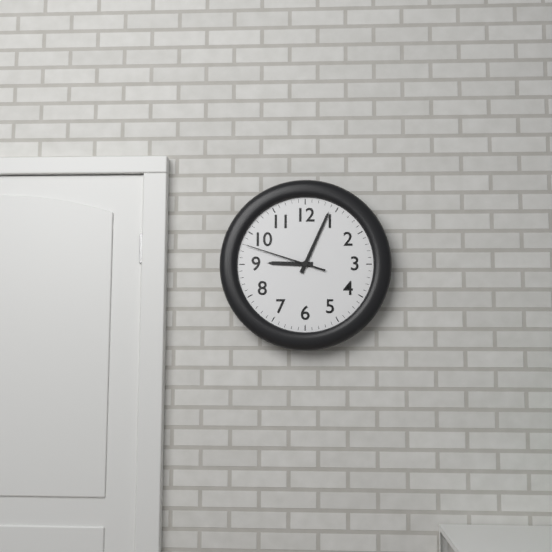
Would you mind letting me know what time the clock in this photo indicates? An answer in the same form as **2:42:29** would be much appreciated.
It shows **9:04:48**
